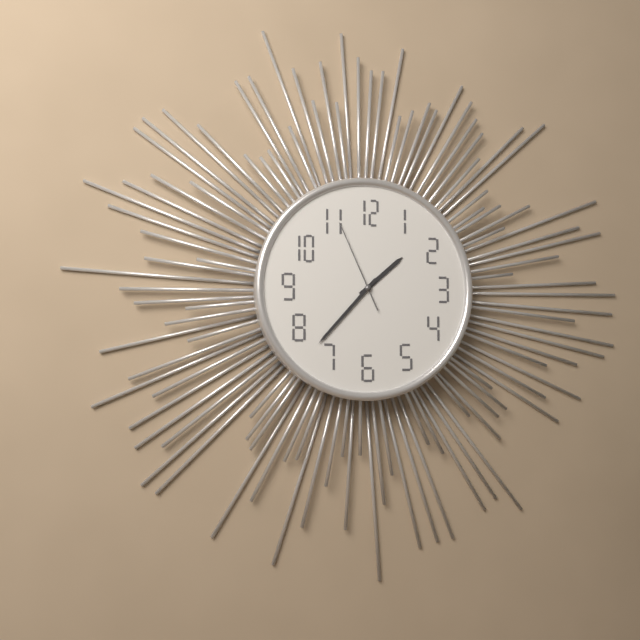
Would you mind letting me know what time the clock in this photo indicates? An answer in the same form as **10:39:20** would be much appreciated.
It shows **1:37:56**
